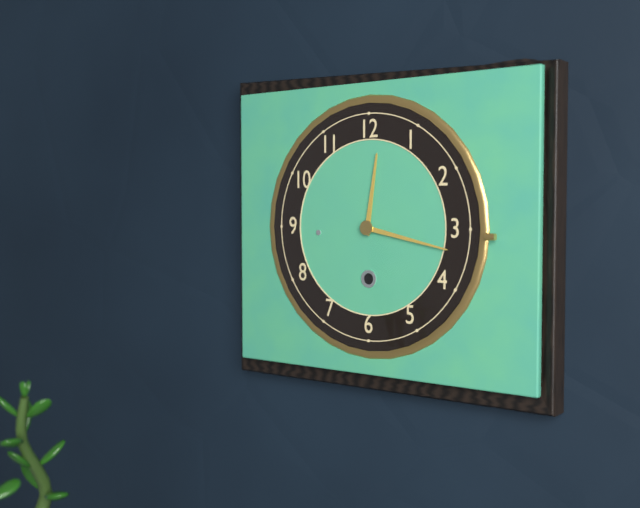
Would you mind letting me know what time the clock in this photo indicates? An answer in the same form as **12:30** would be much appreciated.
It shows **12:17**
